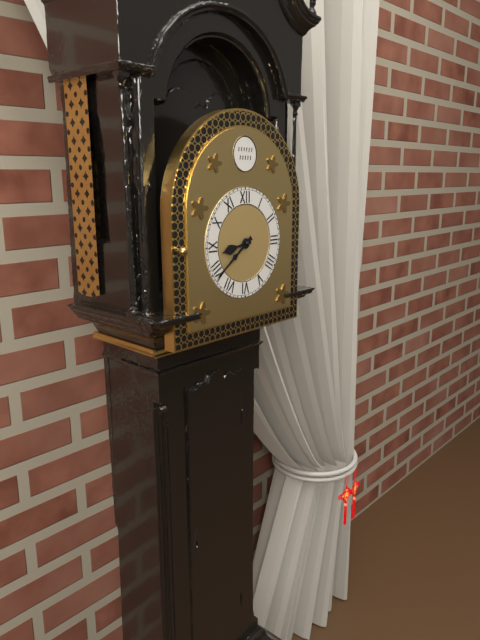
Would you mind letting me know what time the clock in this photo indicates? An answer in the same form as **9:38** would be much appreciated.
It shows **8:39**
